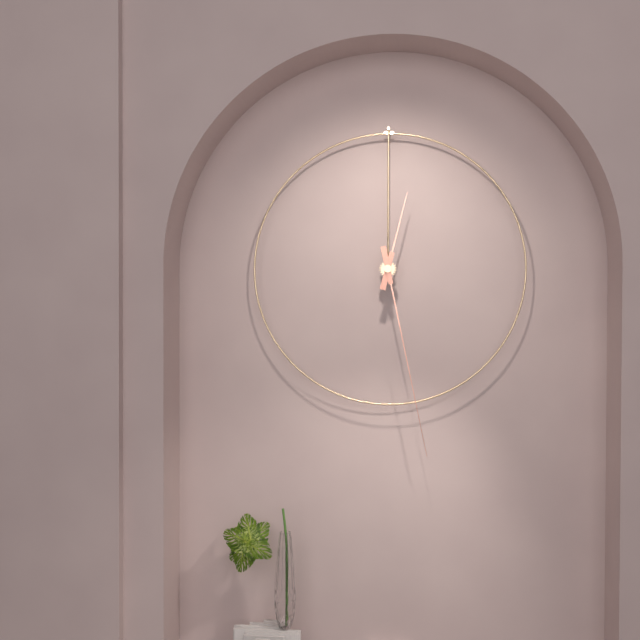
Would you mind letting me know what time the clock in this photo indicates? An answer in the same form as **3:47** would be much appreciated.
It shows **12:28**
